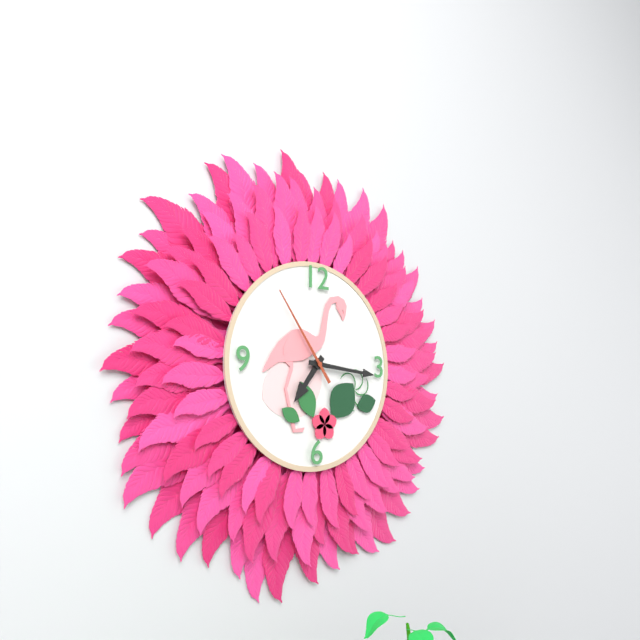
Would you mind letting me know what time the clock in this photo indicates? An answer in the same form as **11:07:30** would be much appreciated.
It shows **7:16:54**
